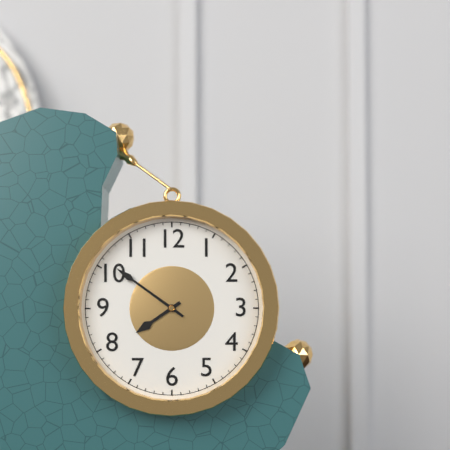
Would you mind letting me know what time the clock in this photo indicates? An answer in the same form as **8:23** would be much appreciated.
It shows **7:51**
